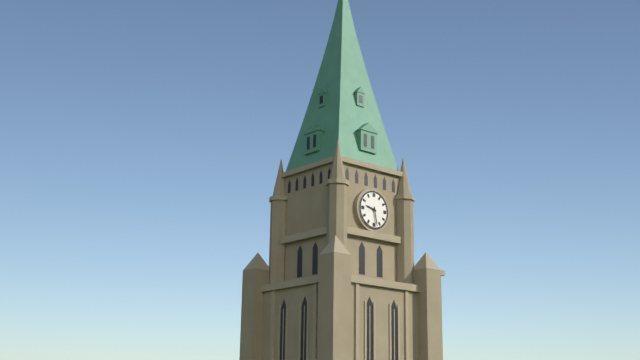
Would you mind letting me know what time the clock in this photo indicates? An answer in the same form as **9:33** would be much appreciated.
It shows **9:28**
